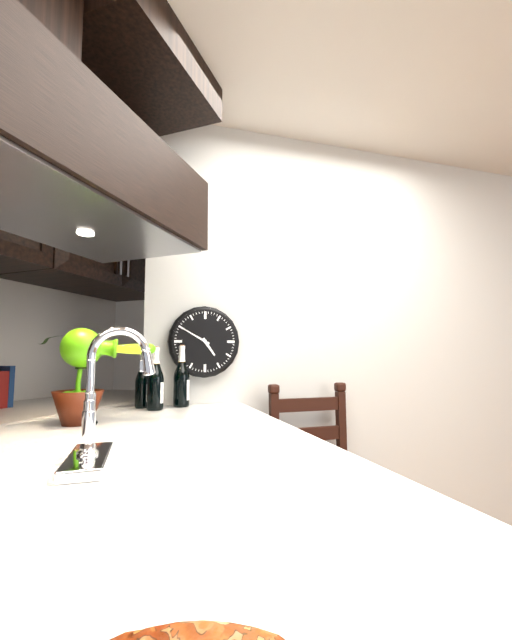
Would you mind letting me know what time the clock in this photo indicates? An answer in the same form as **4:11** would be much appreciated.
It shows **4:50**
